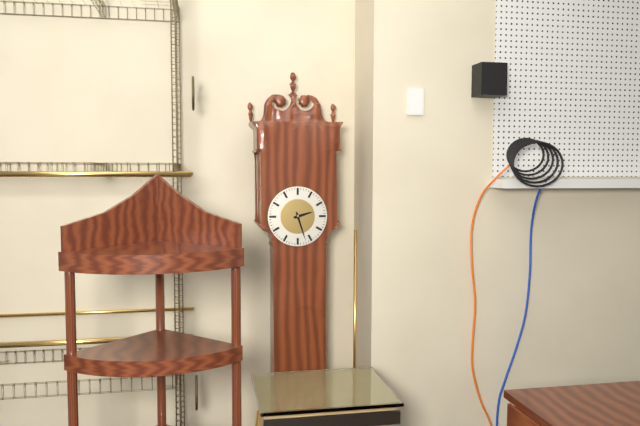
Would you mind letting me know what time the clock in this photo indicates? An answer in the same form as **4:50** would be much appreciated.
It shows **2:27**
